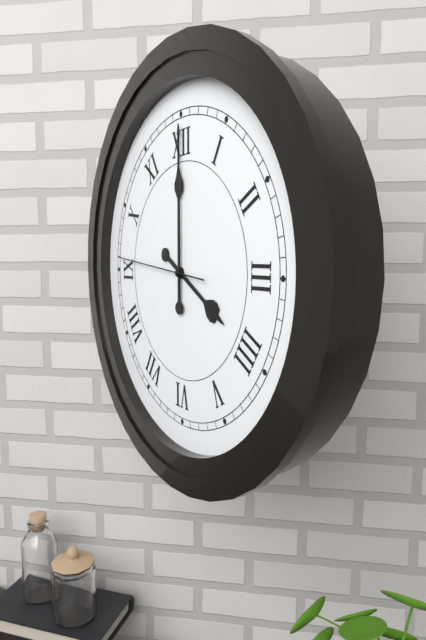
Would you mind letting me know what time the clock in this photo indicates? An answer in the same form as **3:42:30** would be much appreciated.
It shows **4:00:46**
